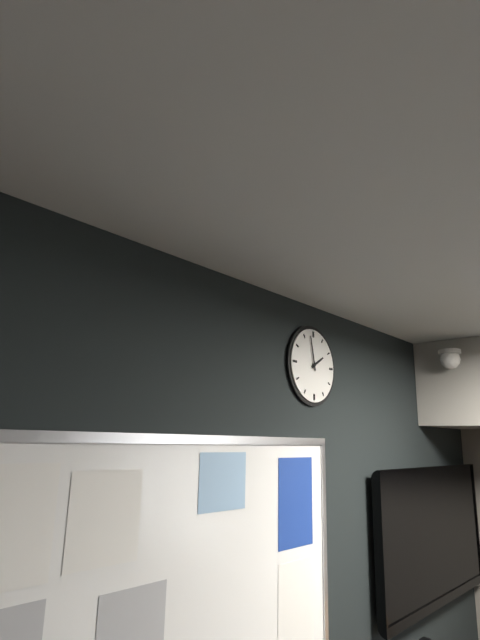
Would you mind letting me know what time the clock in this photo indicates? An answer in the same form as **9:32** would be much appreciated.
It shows **1:58**
